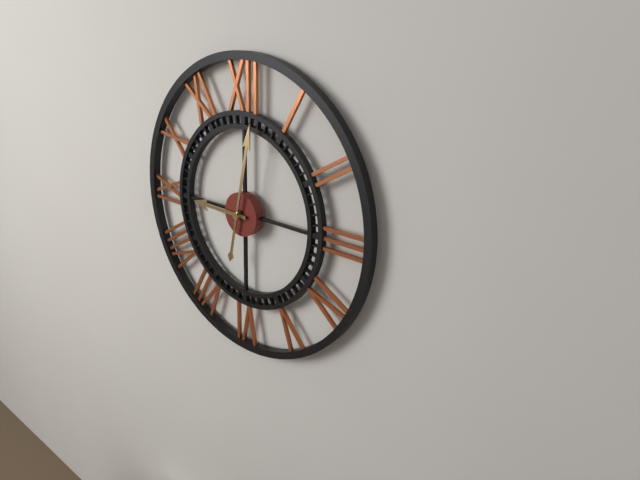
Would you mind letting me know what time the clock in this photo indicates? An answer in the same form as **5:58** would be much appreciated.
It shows **9:02**
